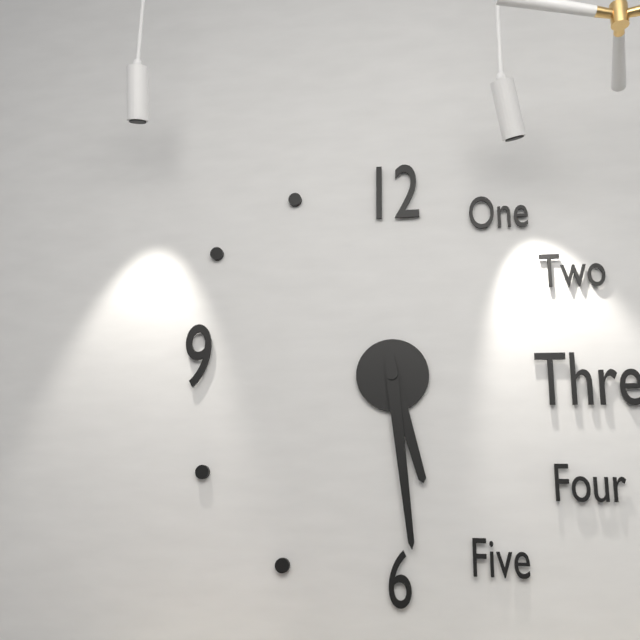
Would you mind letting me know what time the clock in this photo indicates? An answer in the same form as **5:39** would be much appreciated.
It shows **5:29**
